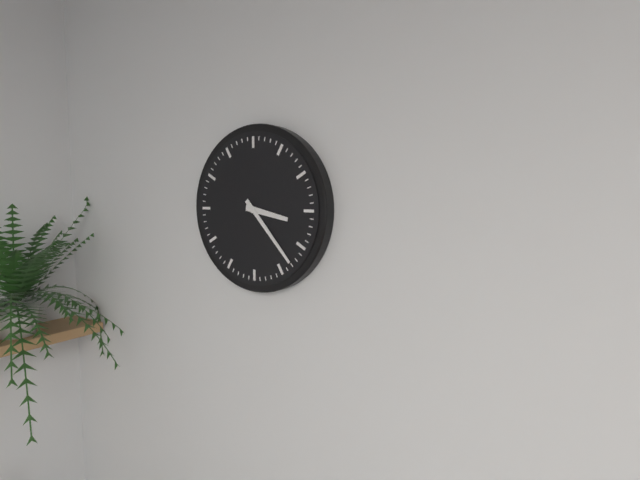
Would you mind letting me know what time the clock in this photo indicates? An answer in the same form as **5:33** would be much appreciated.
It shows **3:23**
